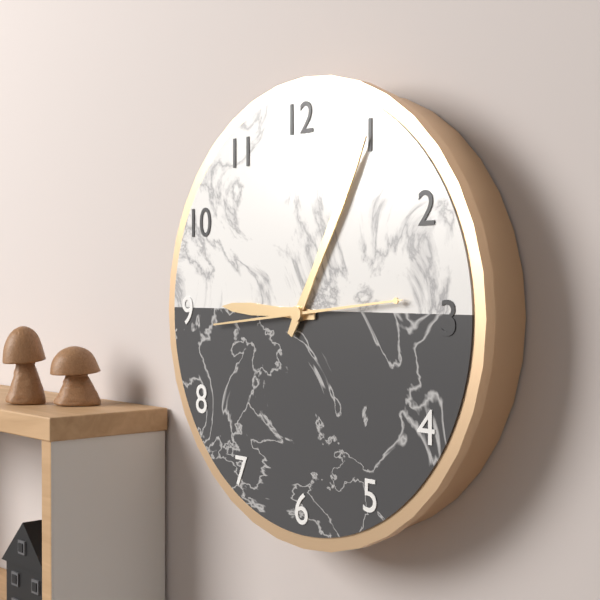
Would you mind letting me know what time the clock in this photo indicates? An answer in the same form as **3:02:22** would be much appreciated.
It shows **9:05:14**
